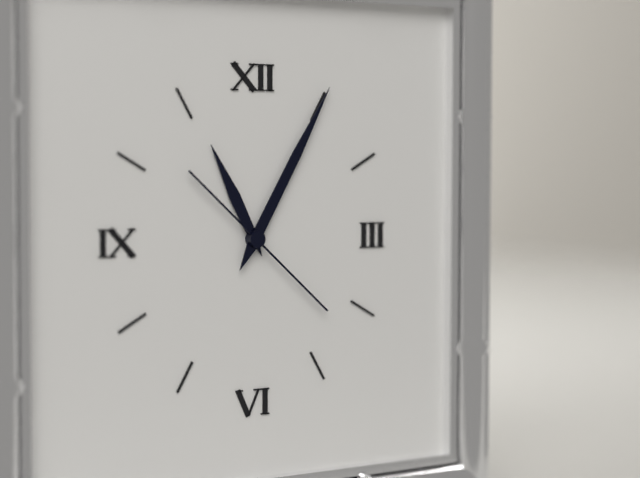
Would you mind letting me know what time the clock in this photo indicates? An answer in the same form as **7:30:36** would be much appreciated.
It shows **11:05:22**
